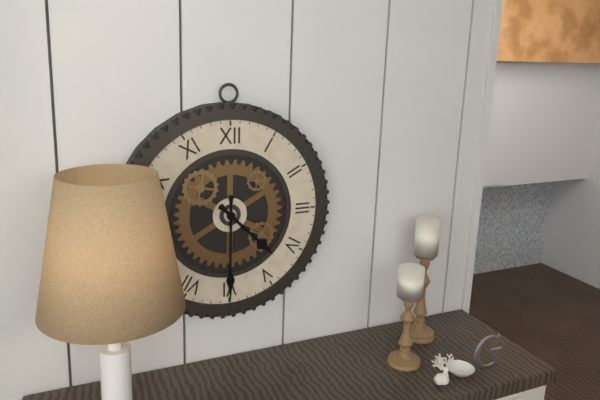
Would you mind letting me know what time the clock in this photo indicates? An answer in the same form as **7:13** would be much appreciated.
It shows **4:30**
